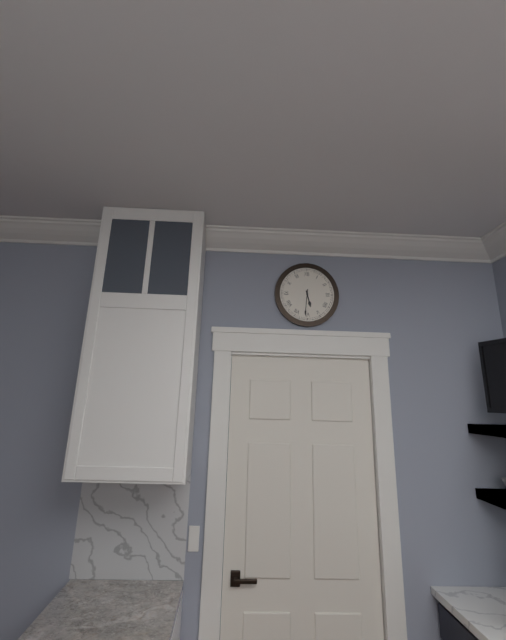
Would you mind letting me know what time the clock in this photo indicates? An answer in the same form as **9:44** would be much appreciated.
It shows **5:31**
